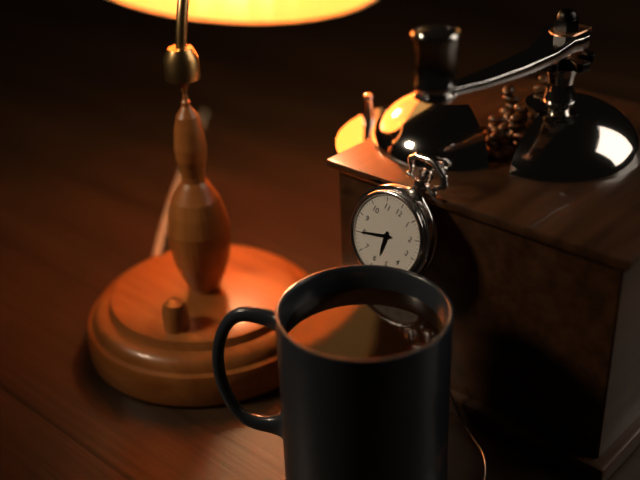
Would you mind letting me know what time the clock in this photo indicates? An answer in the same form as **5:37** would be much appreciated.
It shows **5:40**
